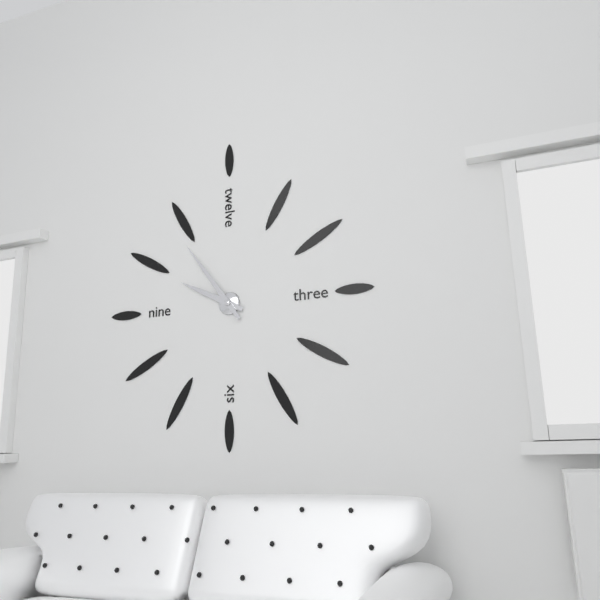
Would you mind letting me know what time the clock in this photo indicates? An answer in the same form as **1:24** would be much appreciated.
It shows **9:54**
